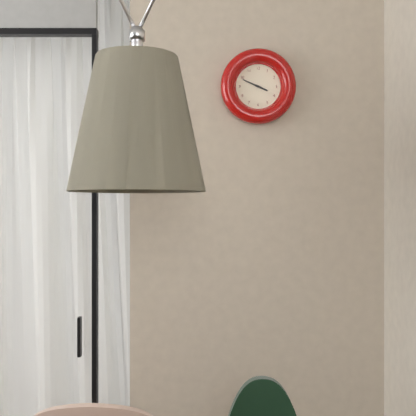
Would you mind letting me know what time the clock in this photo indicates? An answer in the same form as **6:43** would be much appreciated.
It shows **3:49**
